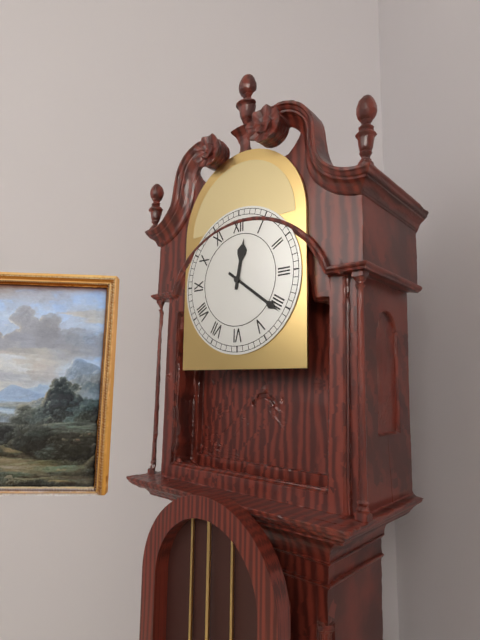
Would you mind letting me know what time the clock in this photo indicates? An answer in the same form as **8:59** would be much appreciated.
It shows **12:21**
